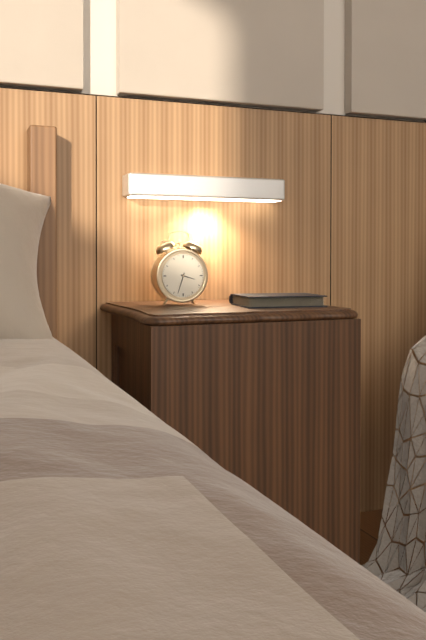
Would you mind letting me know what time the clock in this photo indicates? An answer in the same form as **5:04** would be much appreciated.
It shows **3:33**
